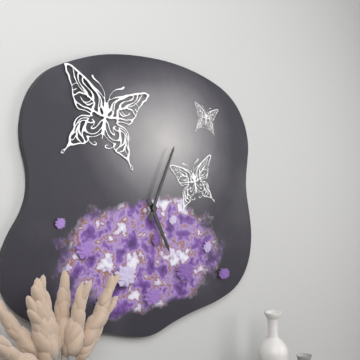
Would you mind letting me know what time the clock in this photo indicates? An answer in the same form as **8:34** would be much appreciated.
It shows **5:04**
